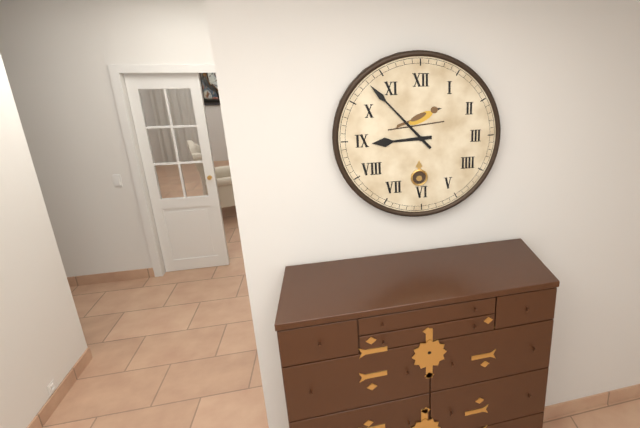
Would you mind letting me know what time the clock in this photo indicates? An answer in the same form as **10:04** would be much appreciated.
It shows **8:53**
